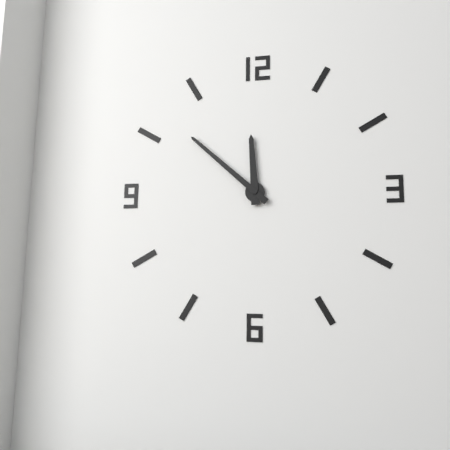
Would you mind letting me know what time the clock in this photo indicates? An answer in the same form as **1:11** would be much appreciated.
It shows **11:52**
